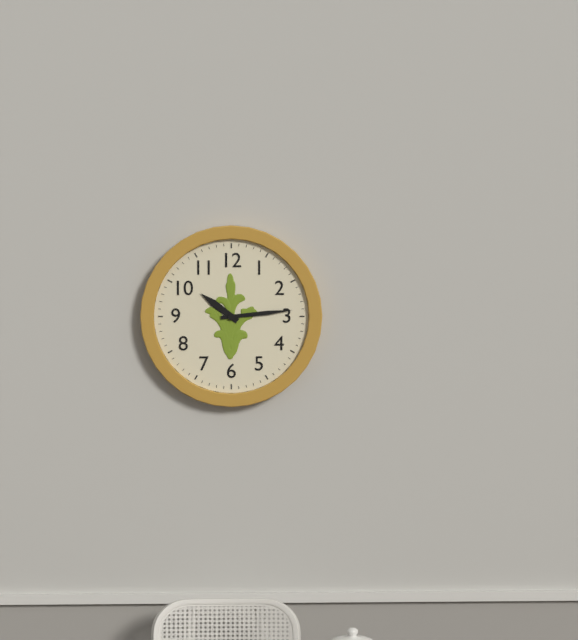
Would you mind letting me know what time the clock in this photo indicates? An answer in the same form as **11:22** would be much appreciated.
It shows **10:14**
